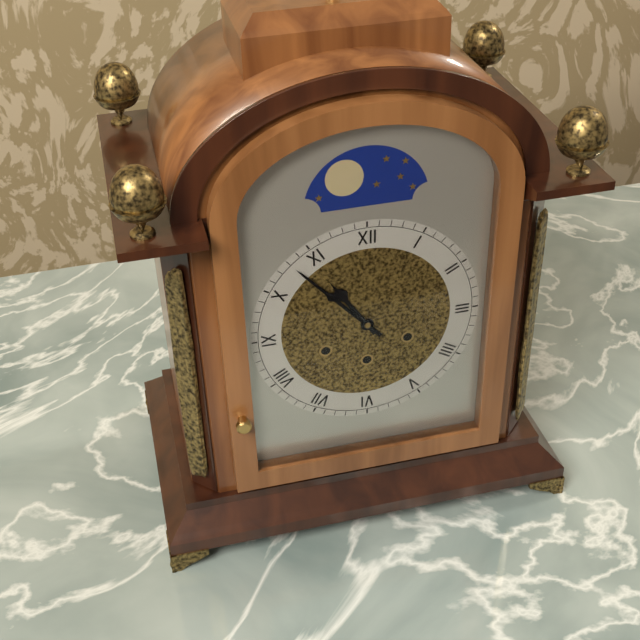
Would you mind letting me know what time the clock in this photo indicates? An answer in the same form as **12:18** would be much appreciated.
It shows **10:53**
